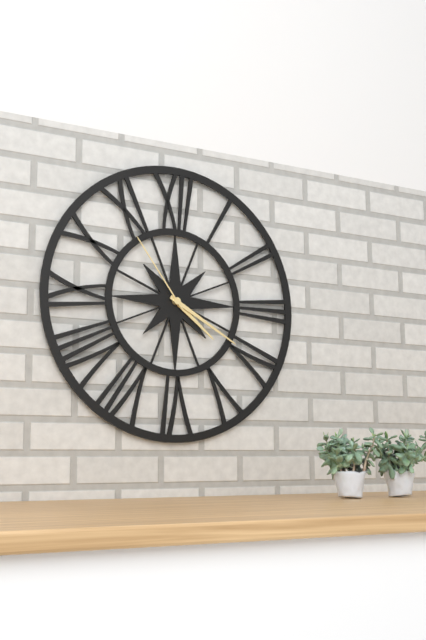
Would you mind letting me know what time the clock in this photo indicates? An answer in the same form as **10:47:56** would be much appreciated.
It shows **4:20:54**
